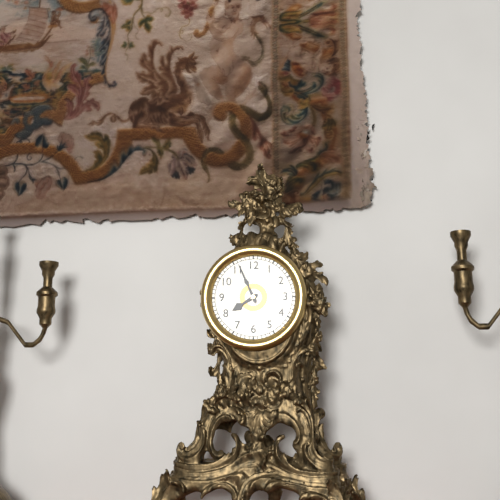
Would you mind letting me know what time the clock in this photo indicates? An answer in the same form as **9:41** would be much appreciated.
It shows **7:56**
